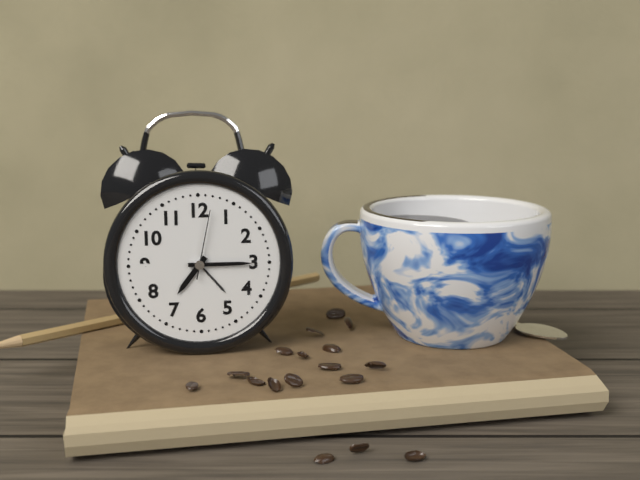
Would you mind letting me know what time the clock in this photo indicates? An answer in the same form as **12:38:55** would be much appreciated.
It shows **7:15:02**
